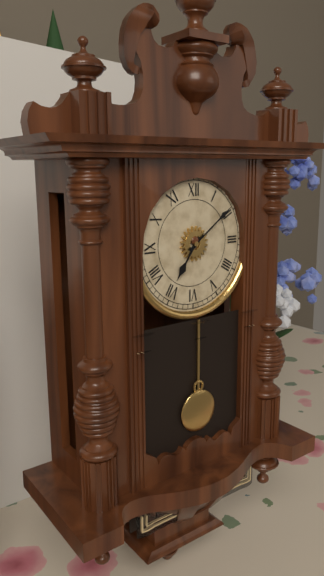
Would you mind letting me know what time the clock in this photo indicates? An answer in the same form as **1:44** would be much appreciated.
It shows **7:09**
